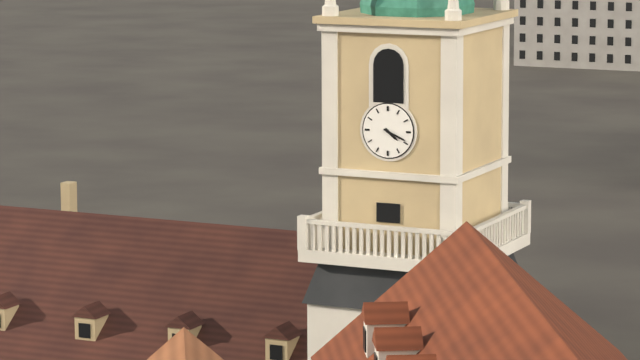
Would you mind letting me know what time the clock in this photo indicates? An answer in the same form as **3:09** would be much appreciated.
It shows **4:19**
